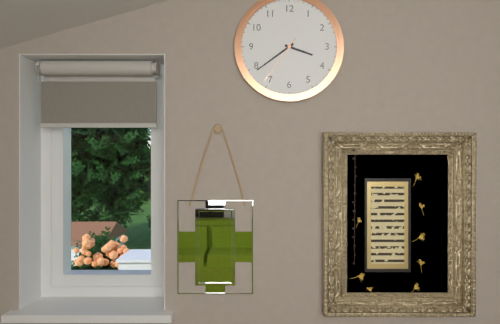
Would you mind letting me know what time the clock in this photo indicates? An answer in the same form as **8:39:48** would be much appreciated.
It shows **3:39:36**
